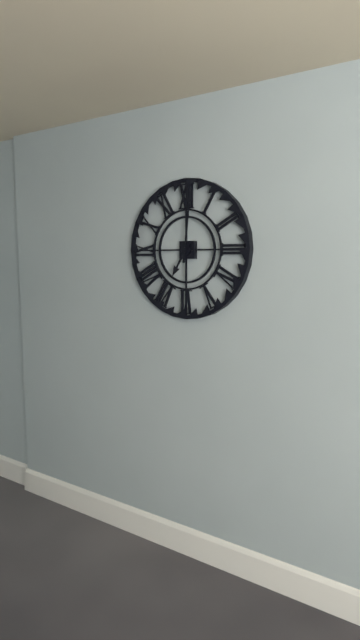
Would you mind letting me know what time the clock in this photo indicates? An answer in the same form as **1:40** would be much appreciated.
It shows **7:01**
